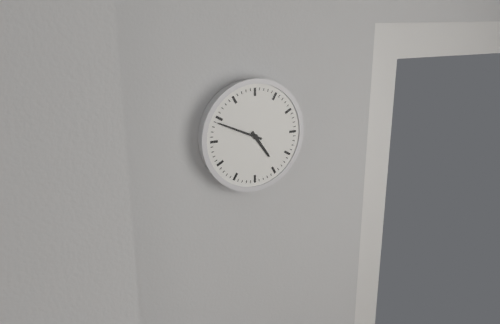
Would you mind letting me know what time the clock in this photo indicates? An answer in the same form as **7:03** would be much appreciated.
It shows **4:49**
